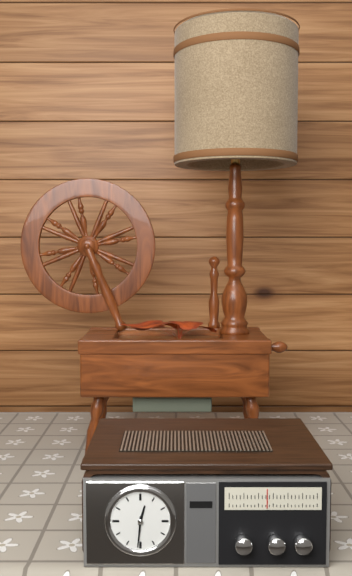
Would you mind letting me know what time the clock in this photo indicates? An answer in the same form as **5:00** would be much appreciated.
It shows **12:31**
